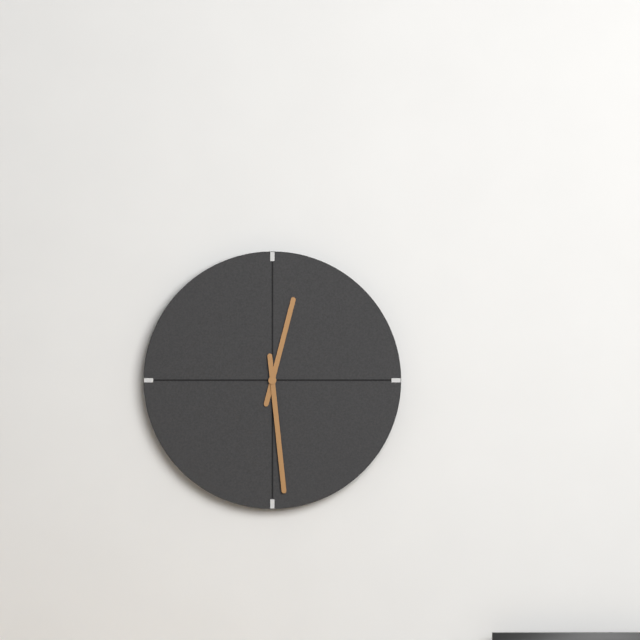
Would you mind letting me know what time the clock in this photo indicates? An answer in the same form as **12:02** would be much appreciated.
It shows **12:29**
